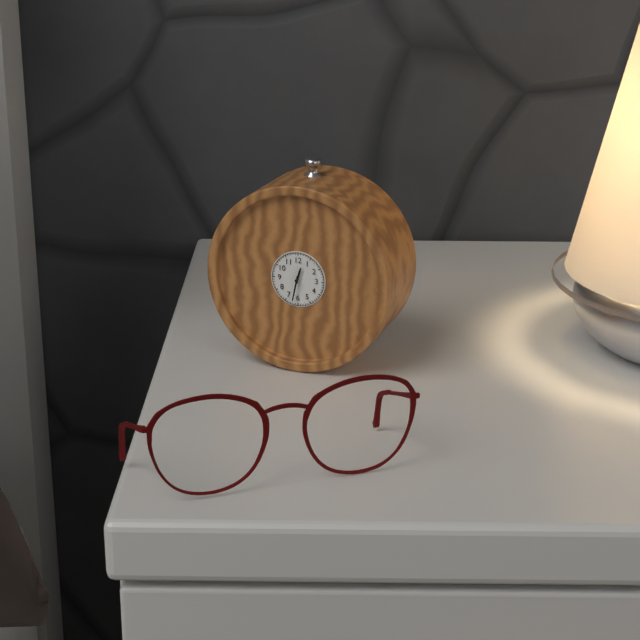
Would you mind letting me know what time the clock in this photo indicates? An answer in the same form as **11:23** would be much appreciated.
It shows **12:32**
